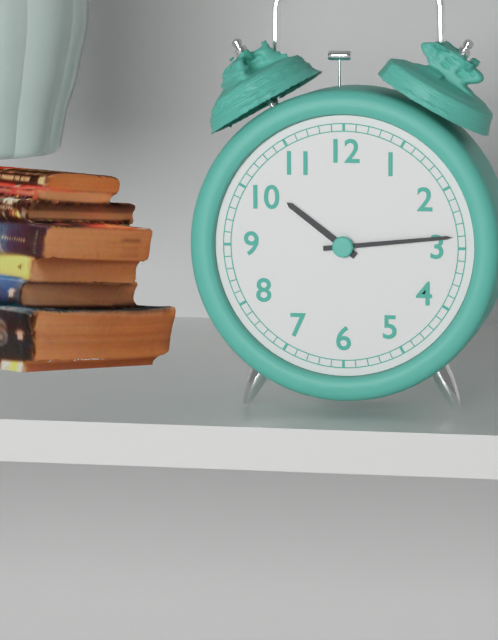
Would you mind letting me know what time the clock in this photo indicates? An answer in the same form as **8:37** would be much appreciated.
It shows **10:14**
